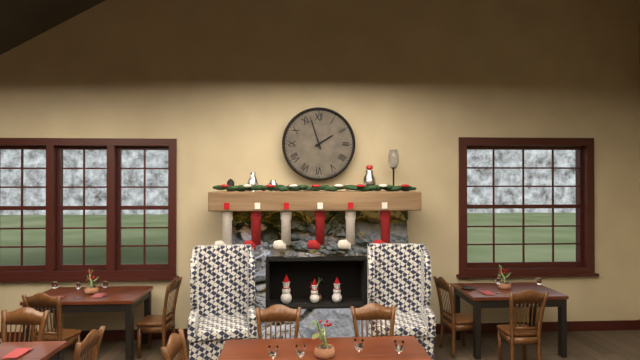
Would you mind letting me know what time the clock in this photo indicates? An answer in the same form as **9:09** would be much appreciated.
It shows **1:57**
